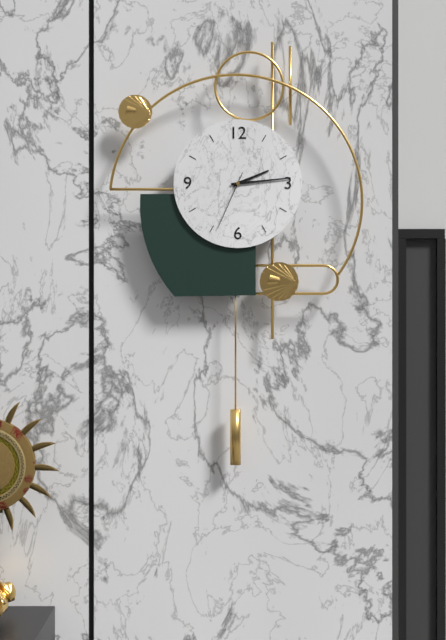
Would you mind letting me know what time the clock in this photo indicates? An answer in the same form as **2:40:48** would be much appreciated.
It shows **2:14:34**
